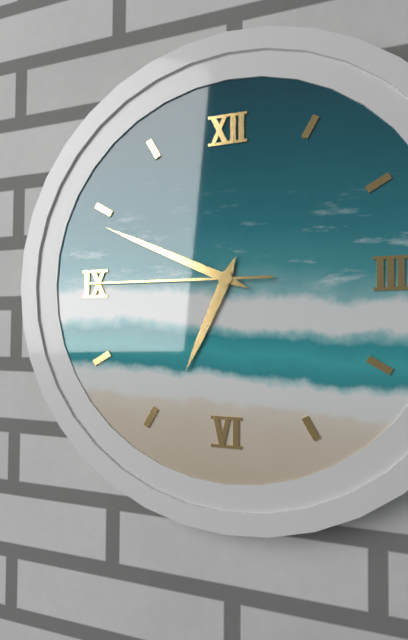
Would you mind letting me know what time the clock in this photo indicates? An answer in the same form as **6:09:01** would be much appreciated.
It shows **6:49:45**
